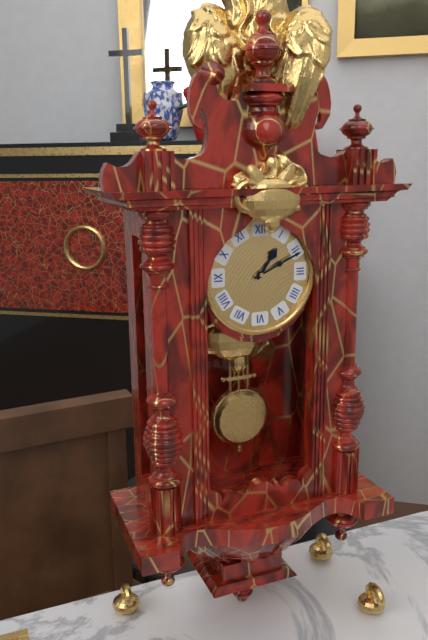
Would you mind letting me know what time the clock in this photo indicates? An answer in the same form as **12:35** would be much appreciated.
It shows **1:11**
